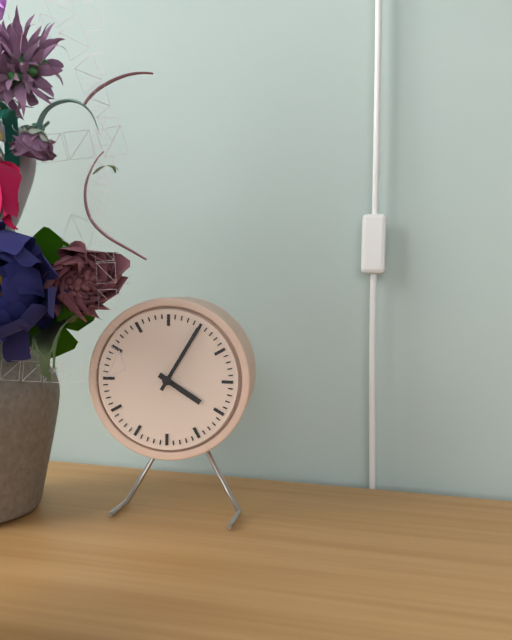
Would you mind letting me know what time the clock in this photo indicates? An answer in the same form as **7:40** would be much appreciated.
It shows **4:05**
